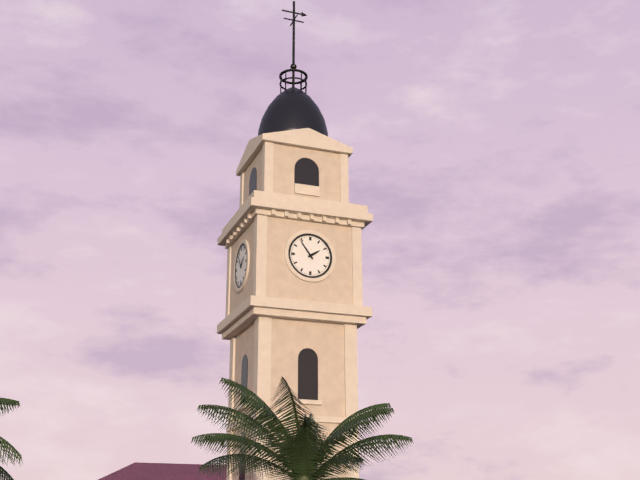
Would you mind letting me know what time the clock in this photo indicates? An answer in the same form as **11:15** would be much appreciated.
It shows **1:54**
